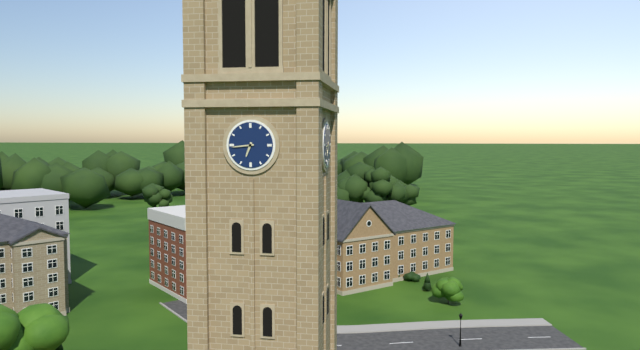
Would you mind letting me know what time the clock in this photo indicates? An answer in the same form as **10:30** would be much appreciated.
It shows **6:44**
